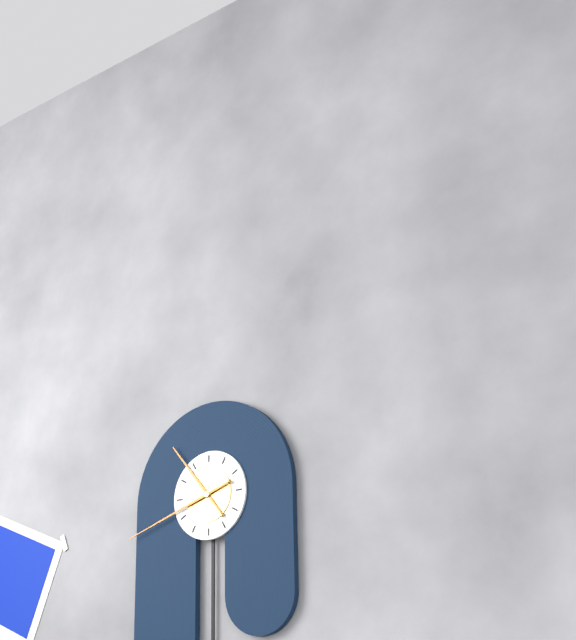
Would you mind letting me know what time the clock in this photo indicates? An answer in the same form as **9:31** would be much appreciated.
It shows **10:42**
